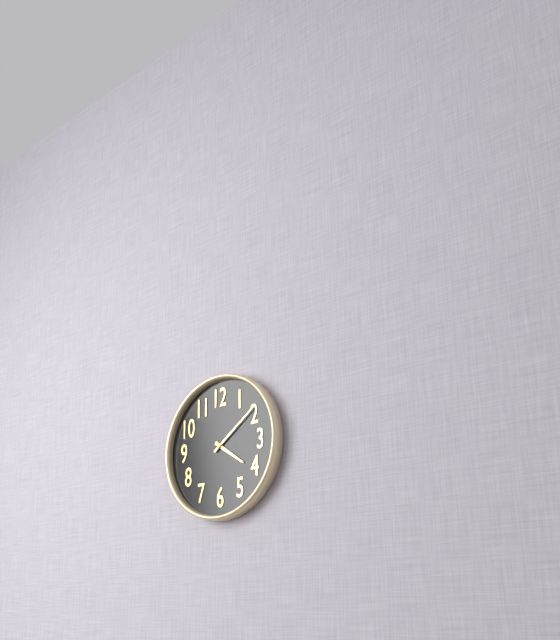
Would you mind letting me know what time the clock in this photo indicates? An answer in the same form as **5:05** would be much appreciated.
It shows **4:09**
